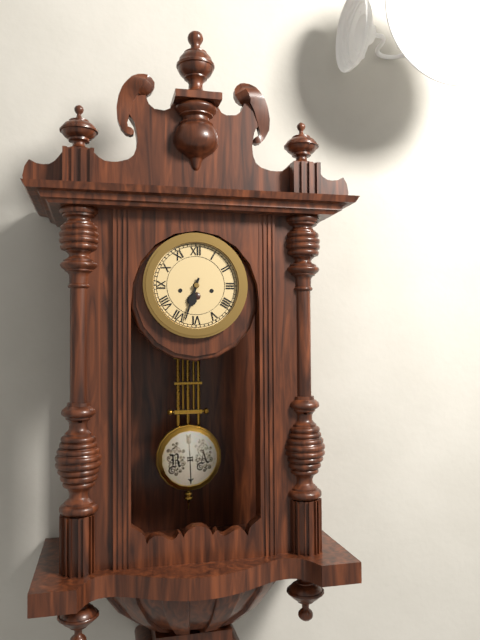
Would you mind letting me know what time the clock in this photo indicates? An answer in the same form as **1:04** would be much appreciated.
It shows **6:33**
